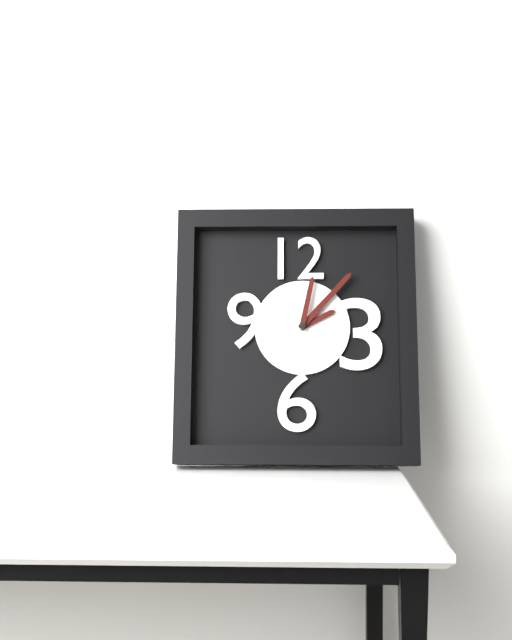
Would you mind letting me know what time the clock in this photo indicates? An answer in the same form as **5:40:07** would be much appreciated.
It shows **2:07:02**
